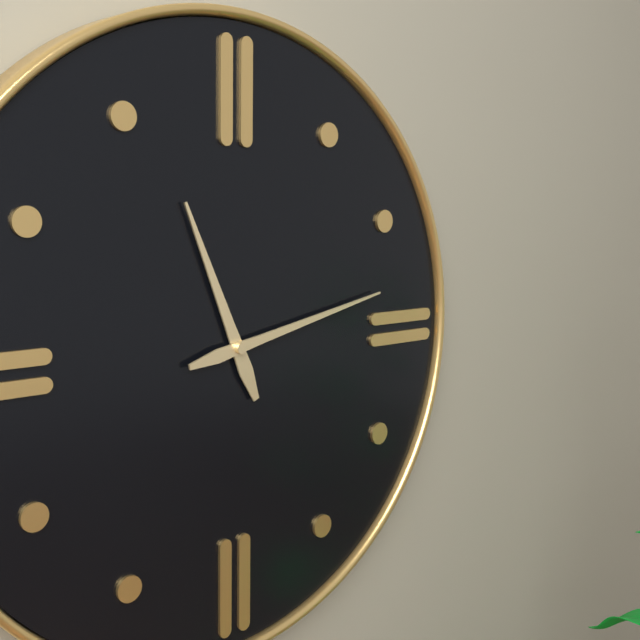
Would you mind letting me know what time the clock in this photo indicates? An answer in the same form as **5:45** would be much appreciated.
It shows **11:13**
